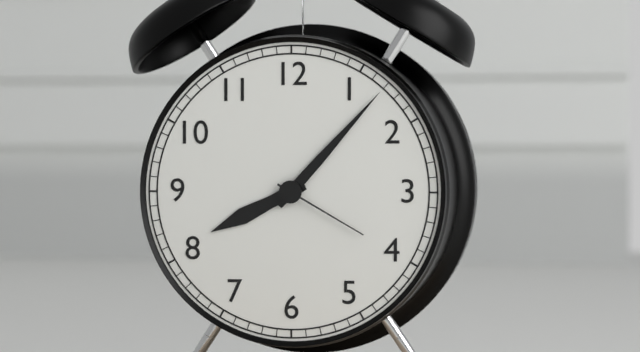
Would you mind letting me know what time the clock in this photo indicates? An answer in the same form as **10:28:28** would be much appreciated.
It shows **8:07:20**
